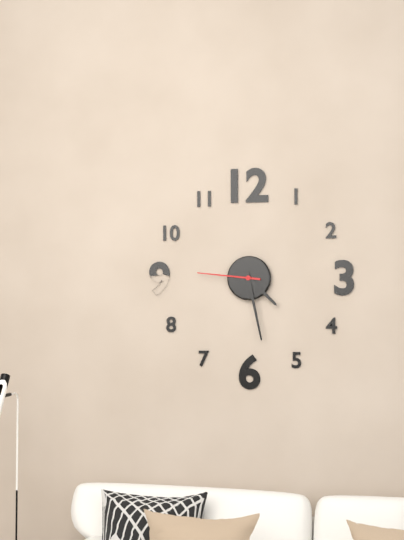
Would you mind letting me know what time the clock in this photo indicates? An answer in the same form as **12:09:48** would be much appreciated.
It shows **4:28:46**
